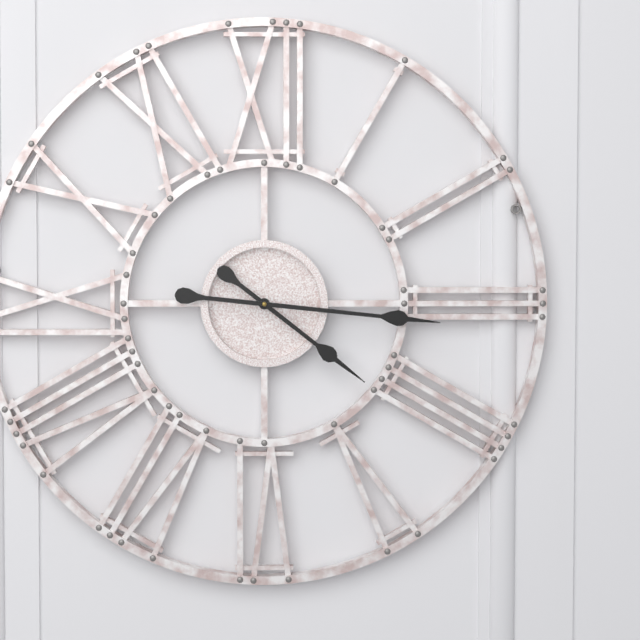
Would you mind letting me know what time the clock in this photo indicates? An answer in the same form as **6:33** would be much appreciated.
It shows **4:16**
